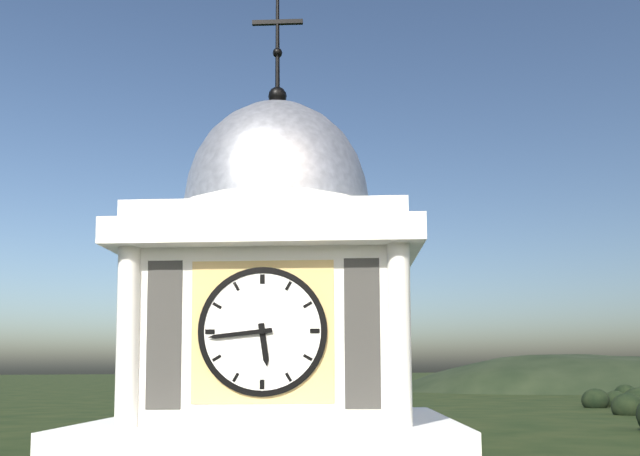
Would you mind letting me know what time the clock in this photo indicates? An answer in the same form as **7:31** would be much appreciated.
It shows **5:44**
